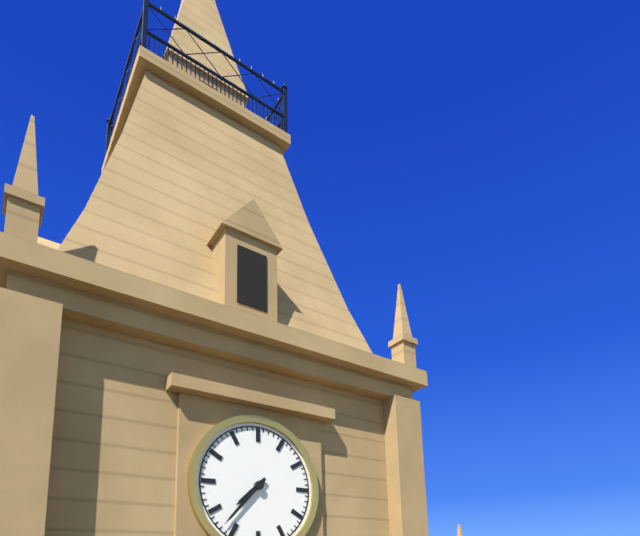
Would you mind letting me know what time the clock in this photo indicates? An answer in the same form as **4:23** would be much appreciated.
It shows **7:37**
